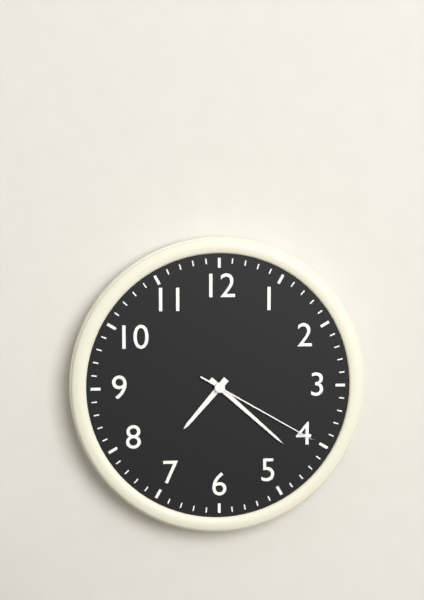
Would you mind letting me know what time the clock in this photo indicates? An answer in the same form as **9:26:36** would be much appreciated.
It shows **7:22:20**
